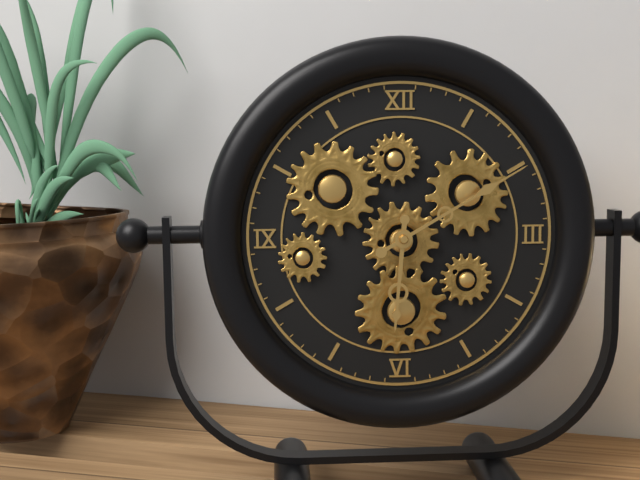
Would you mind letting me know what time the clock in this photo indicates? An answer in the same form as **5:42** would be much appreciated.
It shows **6:10**
